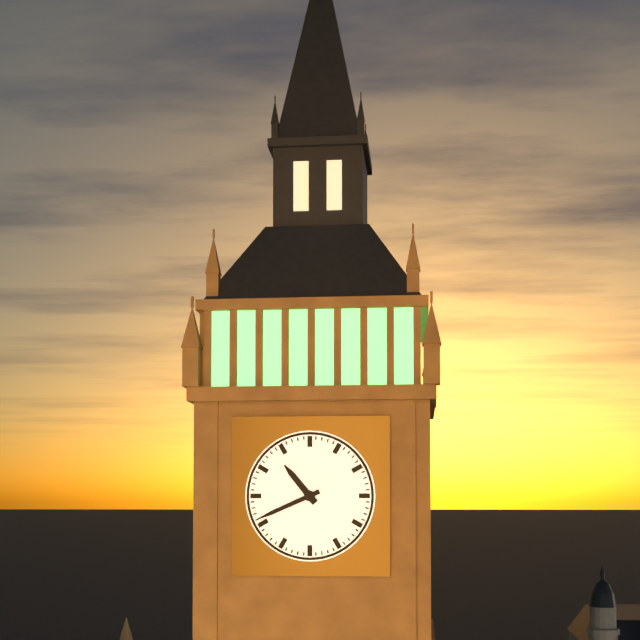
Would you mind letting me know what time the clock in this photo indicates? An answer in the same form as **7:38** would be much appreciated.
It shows **10:41**
